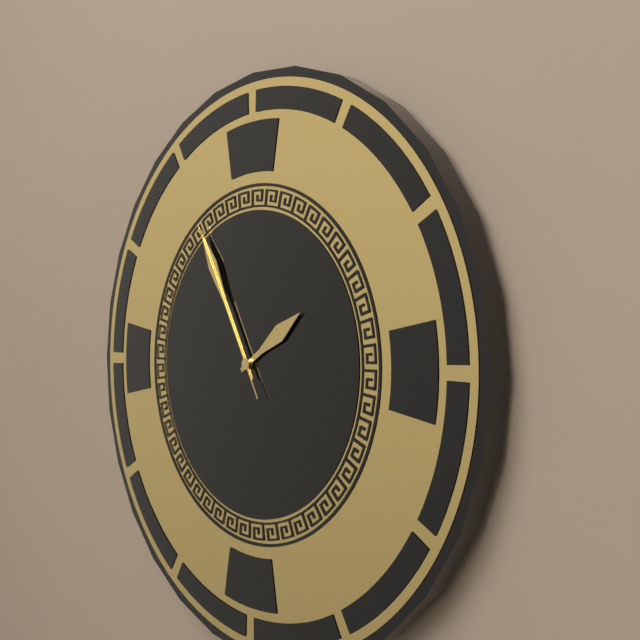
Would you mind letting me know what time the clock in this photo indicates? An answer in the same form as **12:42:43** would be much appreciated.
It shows **1:55:55**
